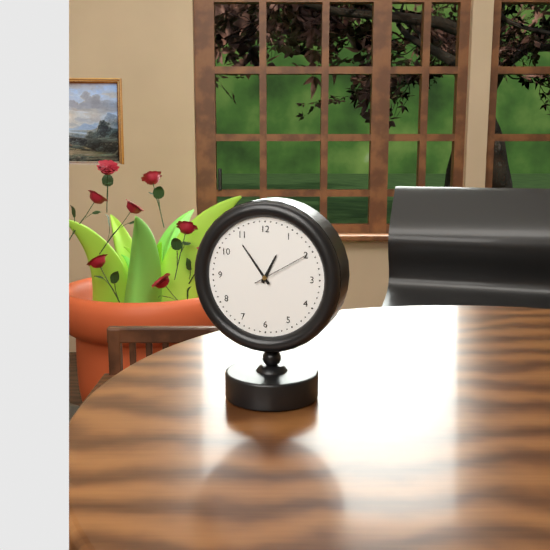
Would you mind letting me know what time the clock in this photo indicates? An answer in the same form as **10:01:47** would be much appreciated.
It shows **12:54:10**
